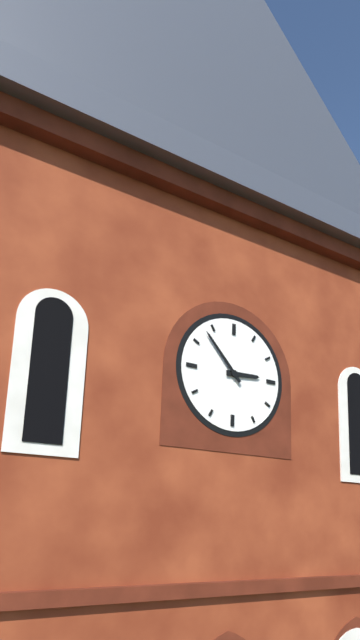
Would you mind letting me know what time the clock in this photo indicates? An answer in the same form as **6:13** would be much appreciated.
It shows **2:53**
